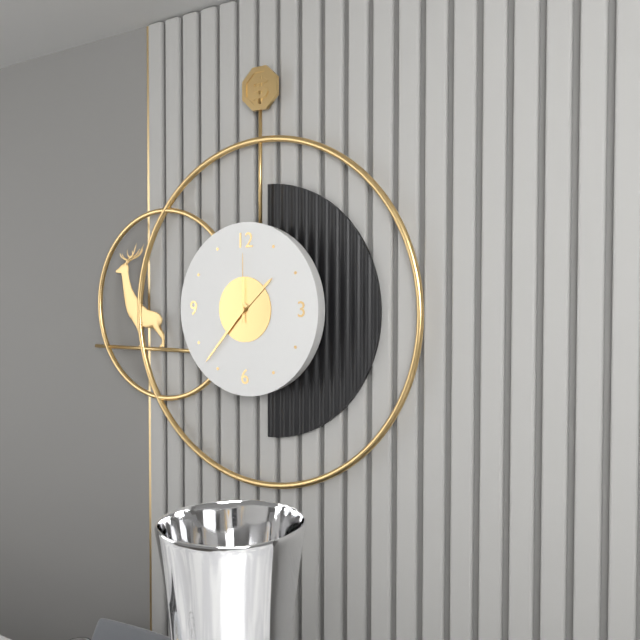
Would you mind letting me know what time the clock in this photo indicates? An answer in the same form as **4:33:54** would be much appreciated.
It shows **1:37:00**
